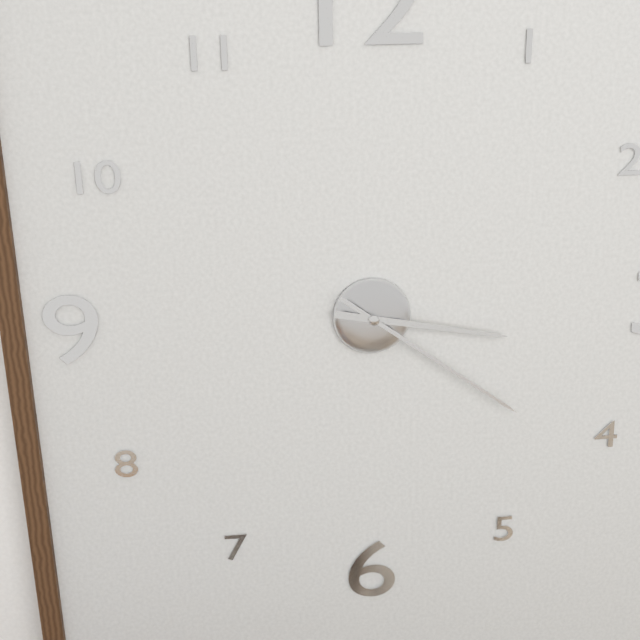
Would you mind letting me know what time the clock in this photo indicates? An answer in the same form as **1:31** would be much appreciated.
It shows **3:21**
